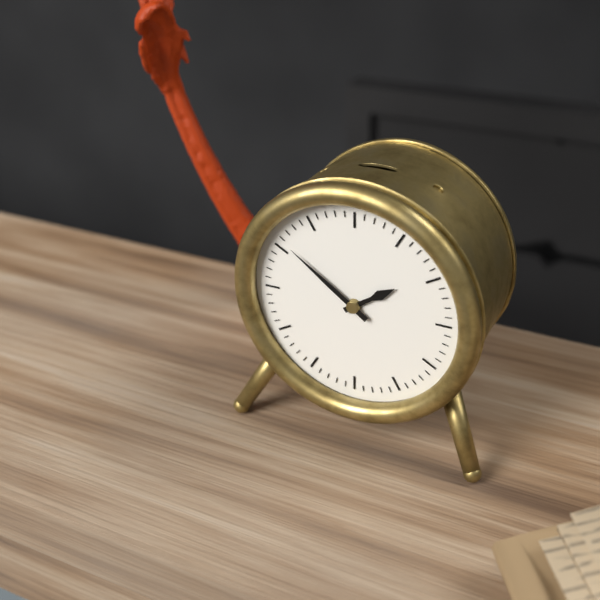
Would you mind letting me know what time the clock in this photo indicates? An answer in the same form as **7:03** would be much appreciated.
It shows **1:51**
